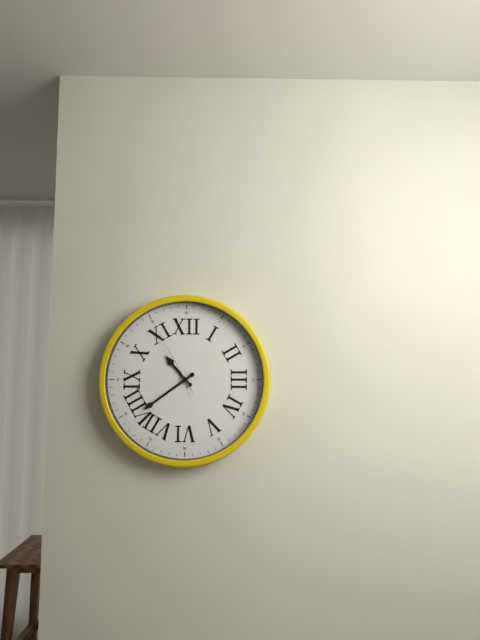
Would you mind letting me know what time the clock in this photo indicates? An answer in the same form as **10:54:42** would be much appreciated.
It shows **10:39:55**
